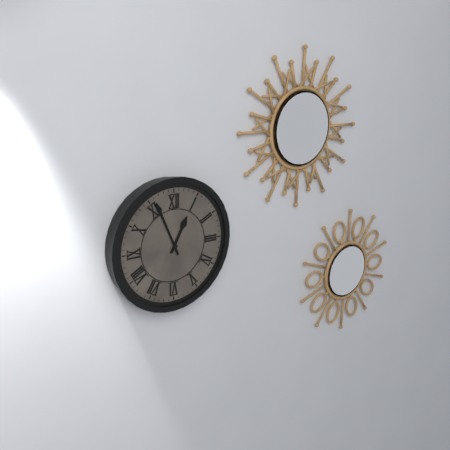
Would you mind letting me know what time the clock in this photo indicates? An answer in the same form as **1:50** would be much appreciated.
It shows **12:56**
